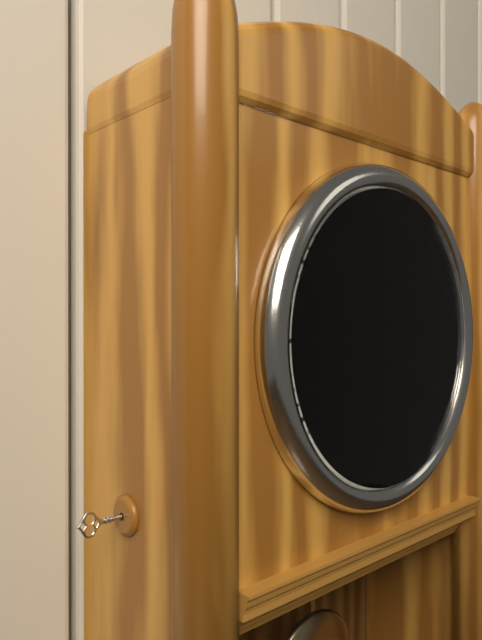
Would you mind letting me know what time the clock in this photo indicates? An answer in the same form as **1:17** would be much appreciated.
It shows **7:53**
